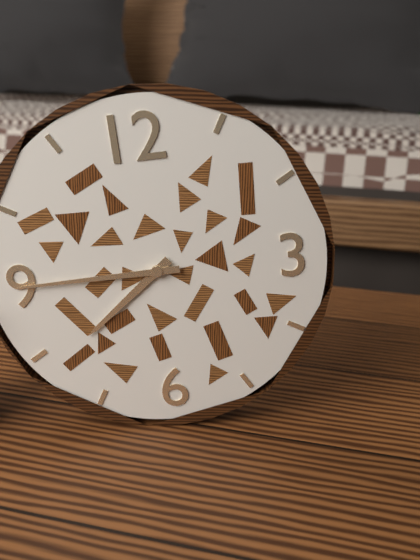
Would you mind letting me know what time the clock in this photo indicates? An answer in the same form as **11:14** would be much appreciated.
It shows **7:45**
